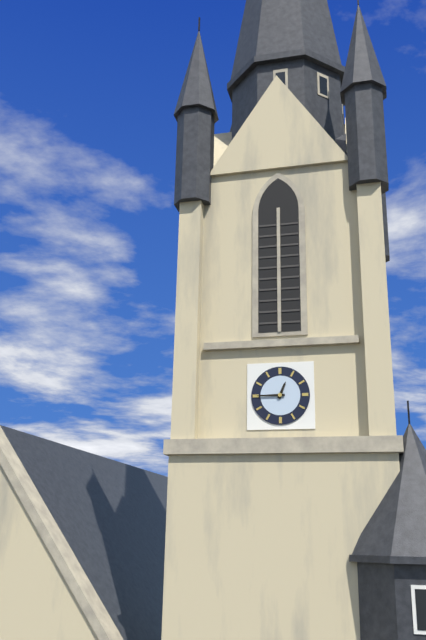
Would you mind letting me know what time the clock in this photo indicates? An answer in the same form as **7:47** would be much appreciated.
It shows **12:45**
